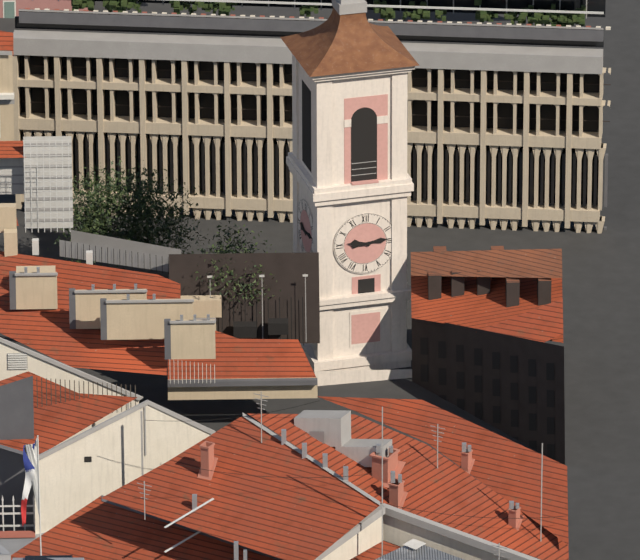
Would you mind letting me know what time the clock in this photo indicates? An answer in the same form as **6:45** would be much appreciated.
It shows **9:14**
